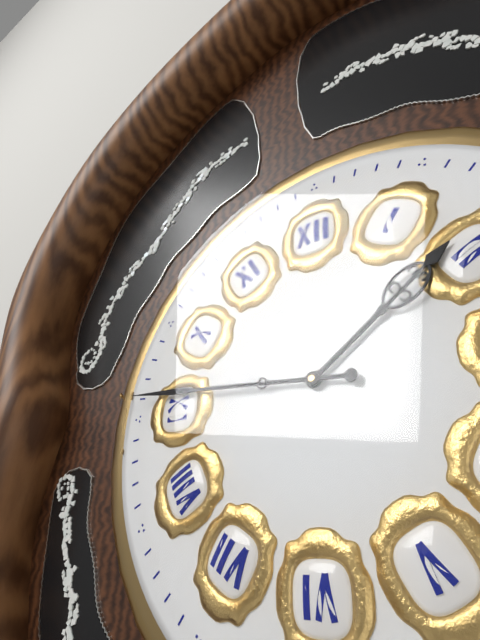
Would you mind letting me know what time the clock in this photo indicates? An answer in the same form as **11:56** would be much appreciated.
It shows **1:46**
